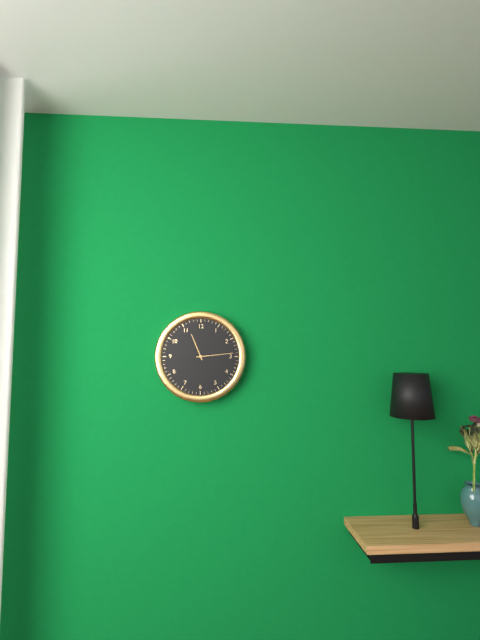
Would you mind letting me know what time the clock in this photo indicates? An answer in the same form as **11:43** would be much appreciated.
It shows **11:14**
